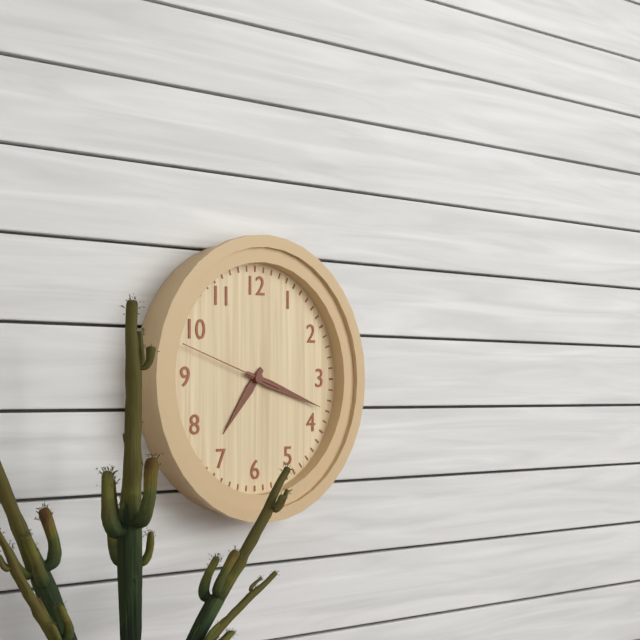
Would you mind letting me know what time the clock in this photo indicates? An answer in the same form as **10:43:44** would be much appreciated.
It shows **7:18:48**
